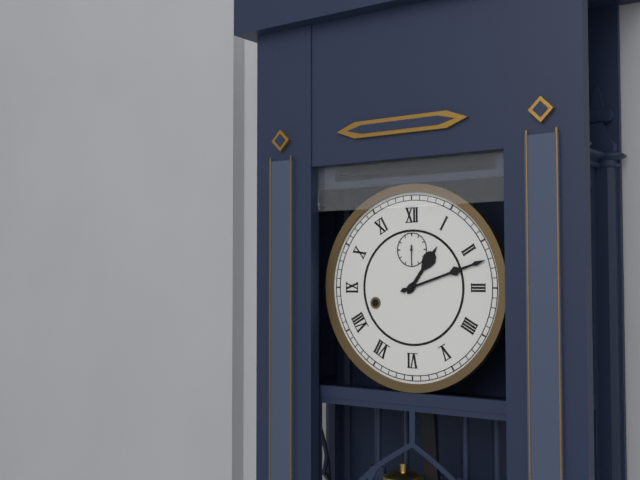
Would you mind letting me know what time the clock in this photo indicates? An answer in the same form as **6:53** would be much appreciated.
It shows **1:12**
